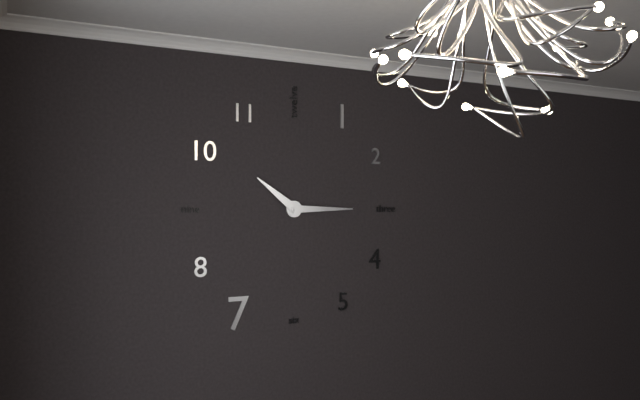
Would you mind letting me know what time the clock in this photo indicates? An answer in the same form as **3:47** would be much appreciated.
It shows **10:15**
